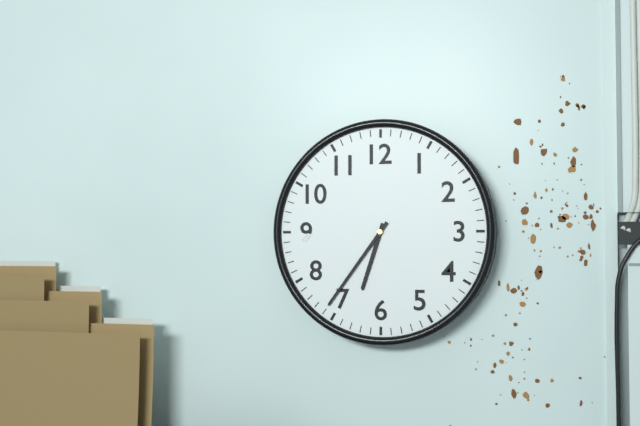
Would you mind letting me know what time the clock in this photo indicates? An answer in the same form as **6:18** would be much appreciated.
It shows **6:36**
